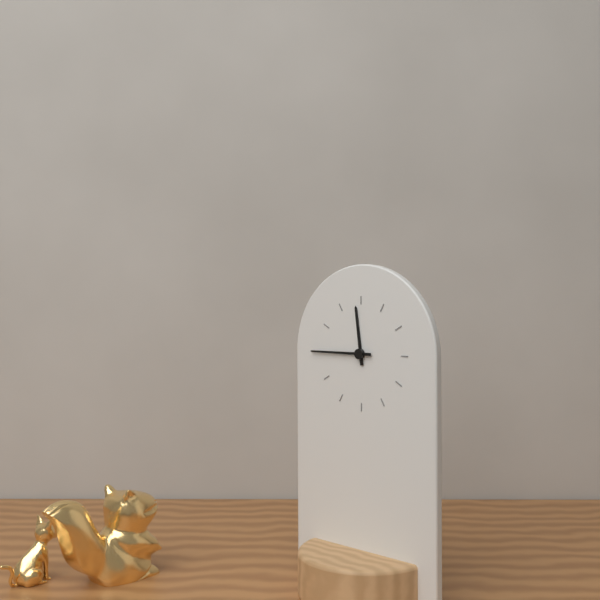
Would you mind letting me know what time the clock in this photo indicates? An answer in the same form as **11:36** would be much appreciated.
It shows **11:45**
